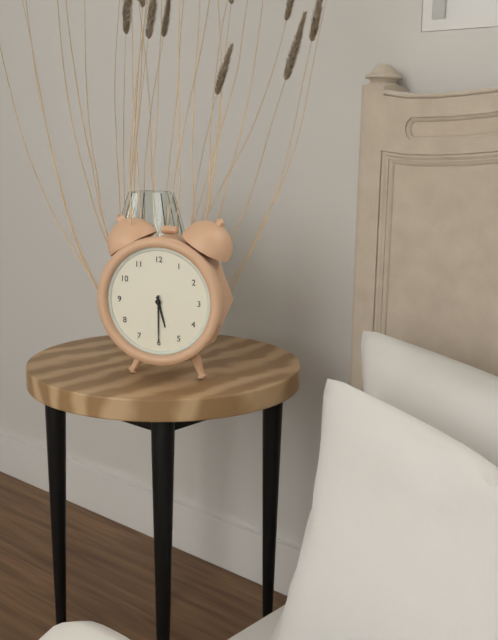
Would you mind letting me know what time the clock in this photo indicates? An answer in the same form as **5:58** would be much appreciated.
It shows **5:30**
